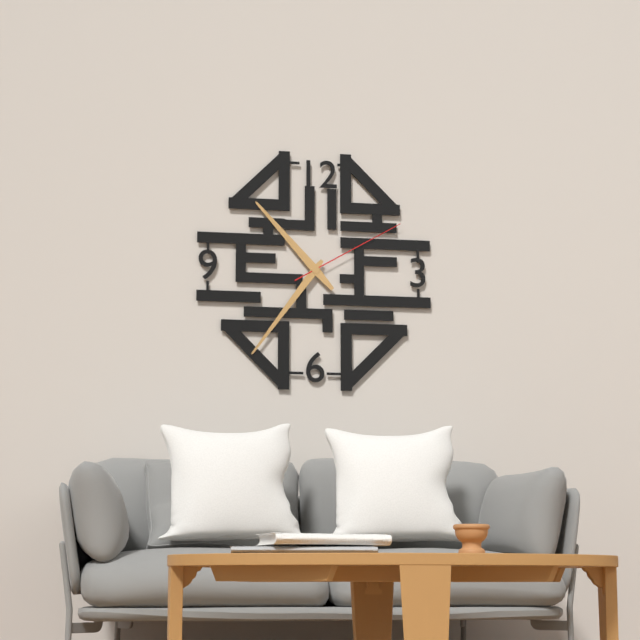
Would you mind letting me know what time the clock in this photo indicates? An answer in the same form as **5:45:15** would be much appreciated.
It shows **10:36:10**
